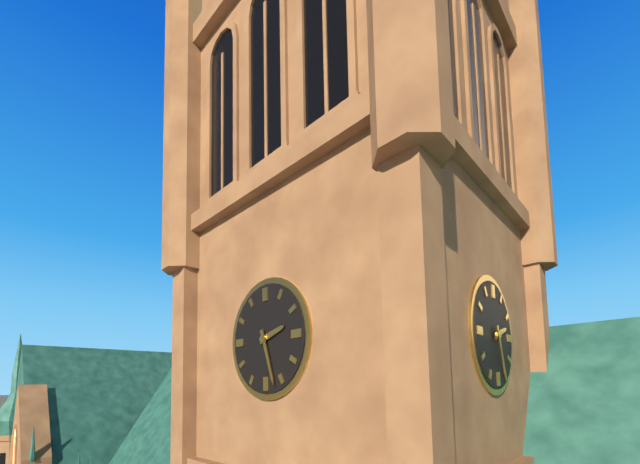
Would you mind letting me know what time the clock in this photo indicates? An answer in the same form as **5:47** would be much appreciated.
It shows **2:27**
